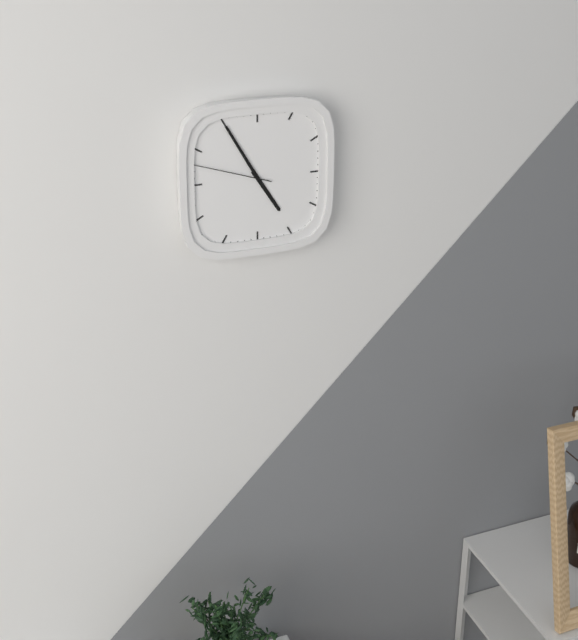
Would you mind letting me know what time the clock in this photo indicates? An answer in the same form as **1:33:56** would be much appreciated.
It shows **4:55:48**
